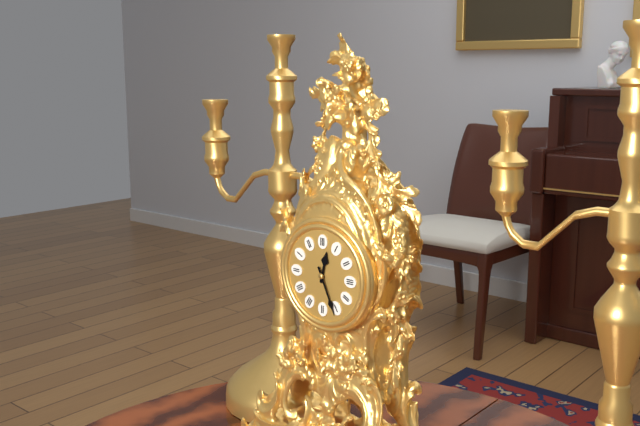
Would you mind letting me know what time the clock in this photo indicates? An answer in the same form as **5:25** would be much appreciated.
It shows **12:26**
